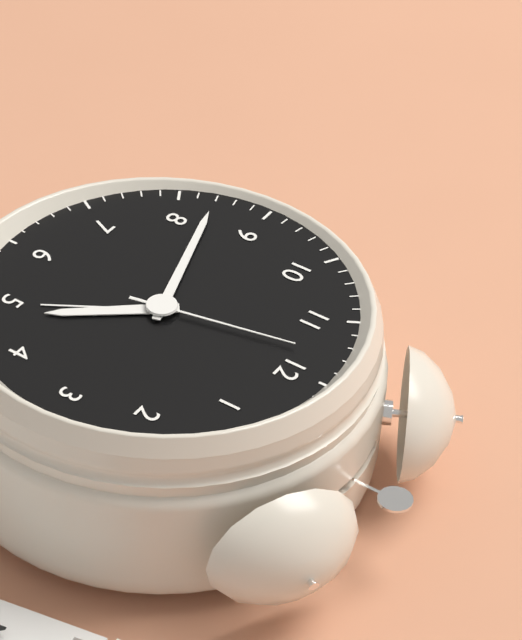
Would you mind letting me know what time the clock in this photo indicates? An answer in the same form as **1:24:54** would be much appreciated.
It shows **4:42:58**
